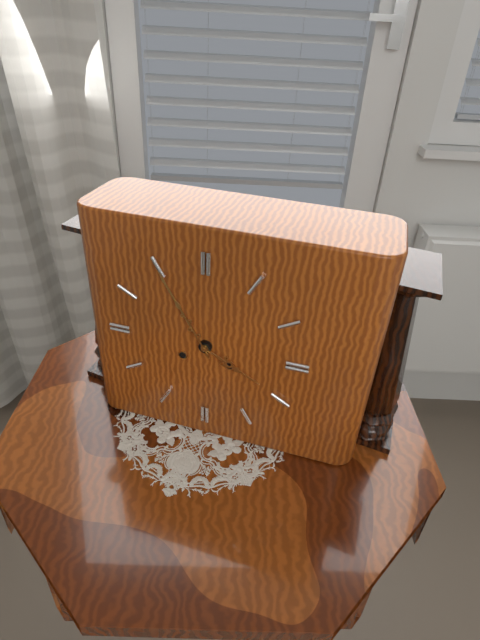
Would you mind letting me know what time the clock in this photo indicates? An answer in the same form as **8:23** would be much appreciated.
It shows **3:55**
